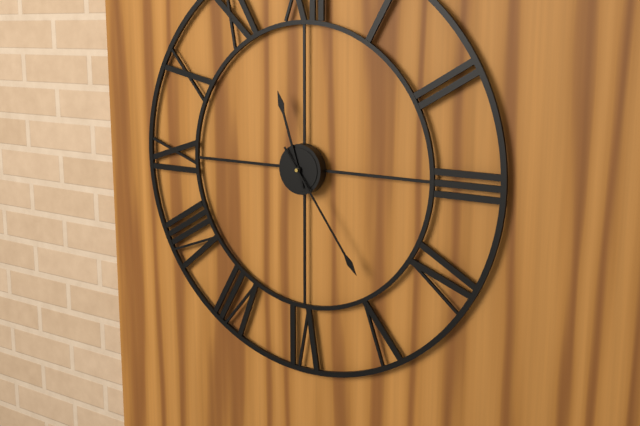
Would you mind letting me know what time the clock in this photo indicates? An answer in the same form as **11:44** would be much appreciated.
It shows **11:24**
